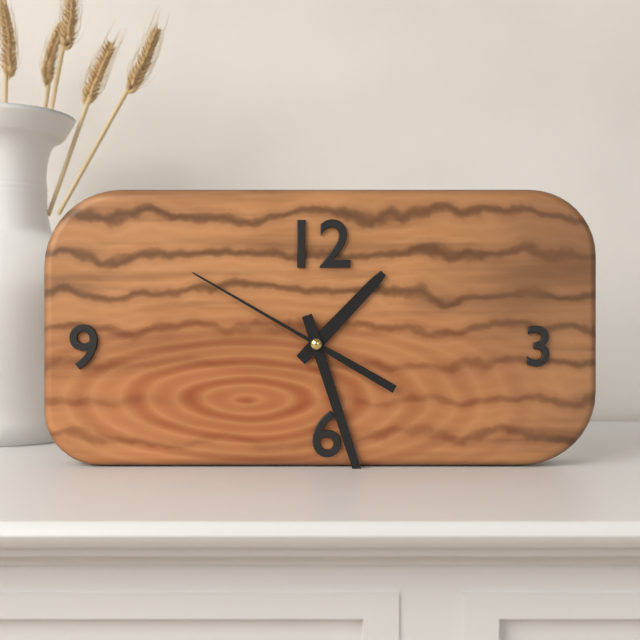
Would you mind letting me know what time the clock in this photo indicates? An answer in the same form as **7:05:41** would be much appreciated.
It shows **1:27:50**
